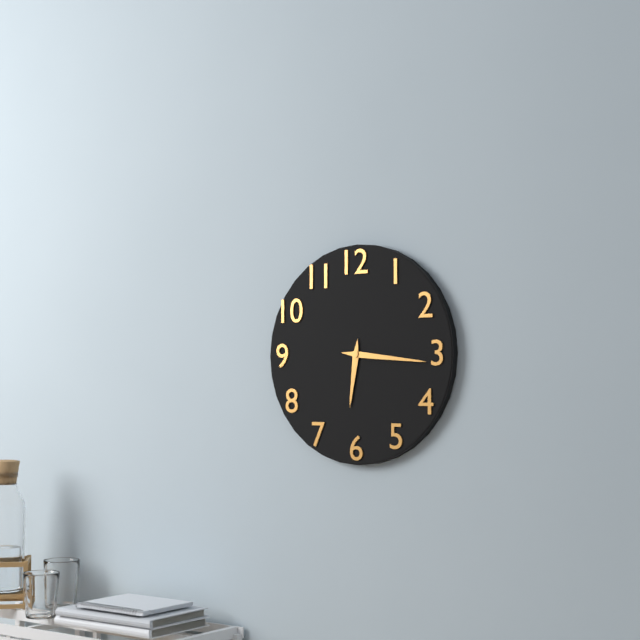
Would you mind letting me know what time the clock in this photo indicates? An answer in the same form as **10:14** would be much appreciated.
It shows **6:16**
